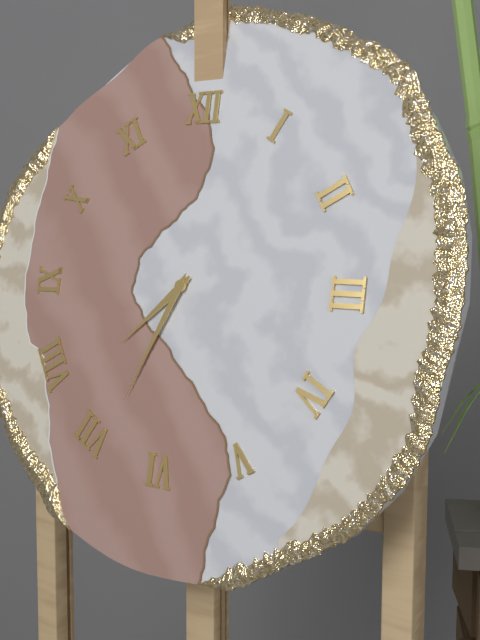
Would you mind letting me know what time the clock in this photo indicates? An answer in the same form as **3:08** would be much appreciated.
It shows **7:34**
